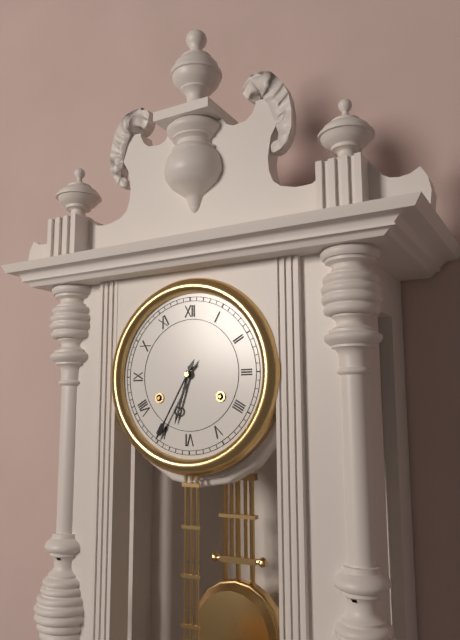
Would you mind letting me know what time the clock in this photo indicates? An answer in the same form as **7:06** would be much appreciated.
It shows **6:35**
